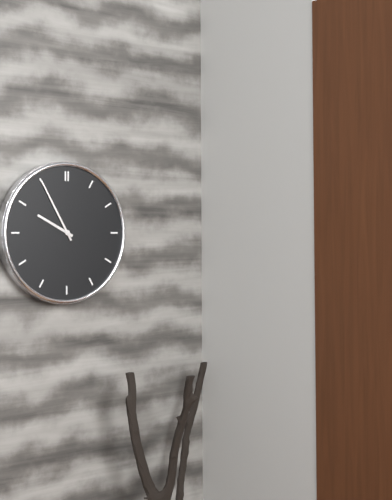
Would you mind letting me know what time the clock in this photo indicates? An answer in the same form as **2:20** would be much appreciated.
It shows **9:55**
